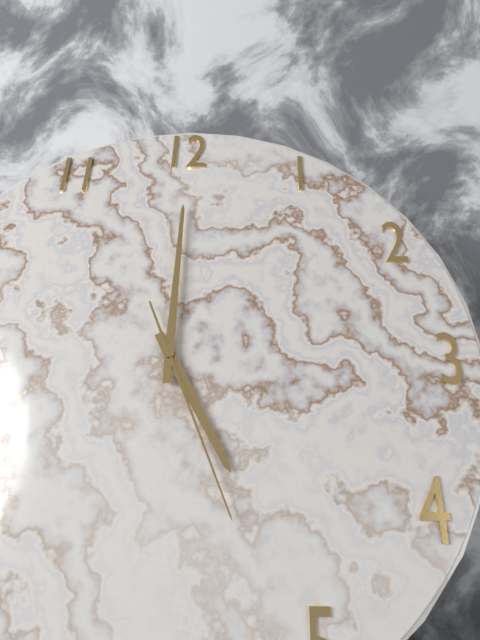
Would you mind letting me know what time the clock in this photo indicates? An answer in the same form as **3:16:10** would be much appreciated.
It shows **5:00:26**
